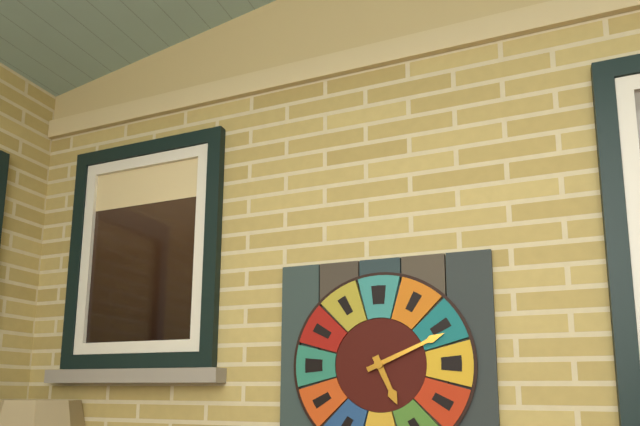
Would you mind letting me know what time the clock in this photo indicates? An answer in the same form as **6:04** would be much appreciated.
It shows **5:11**
